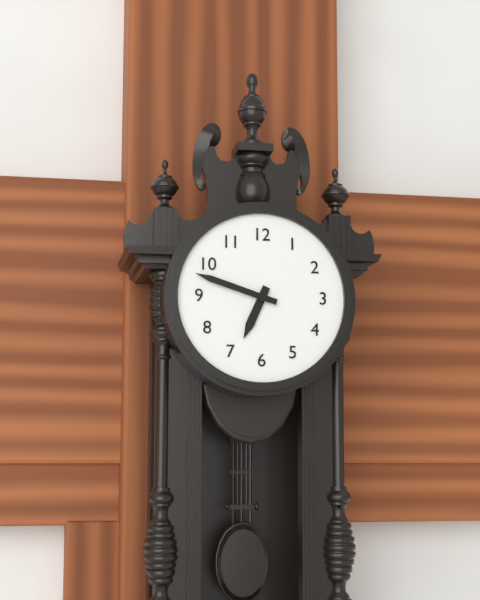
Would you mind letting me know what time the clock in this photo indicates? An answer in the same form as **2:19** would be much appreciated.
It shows **6:48**
